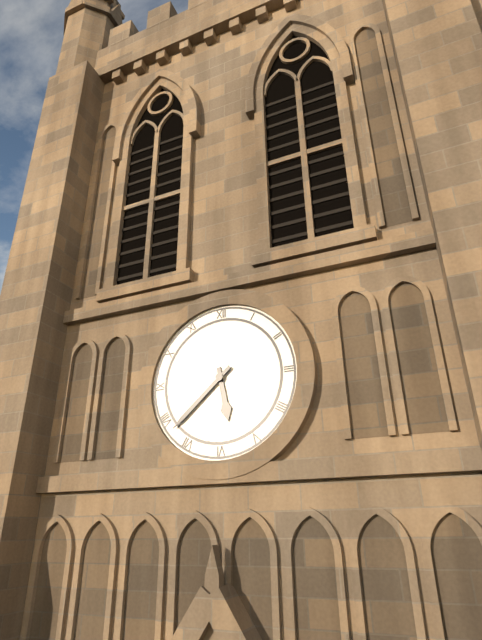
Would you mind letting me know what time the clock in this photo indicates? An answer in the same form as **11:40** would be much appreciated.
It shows **5:38**
